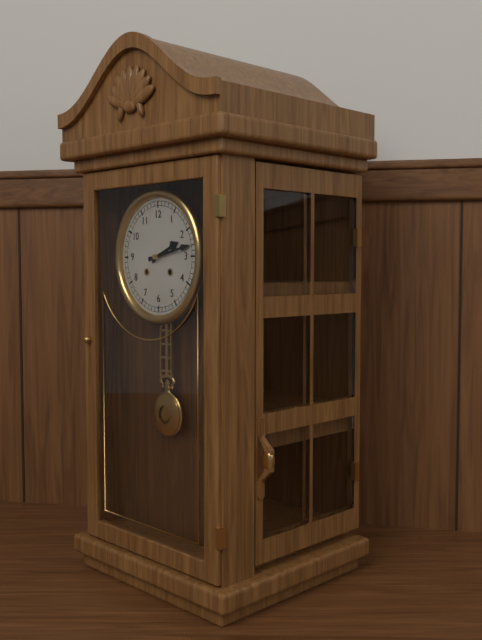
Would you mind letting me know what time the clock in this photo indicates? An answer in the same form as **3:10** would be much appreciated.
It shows **2:13**
